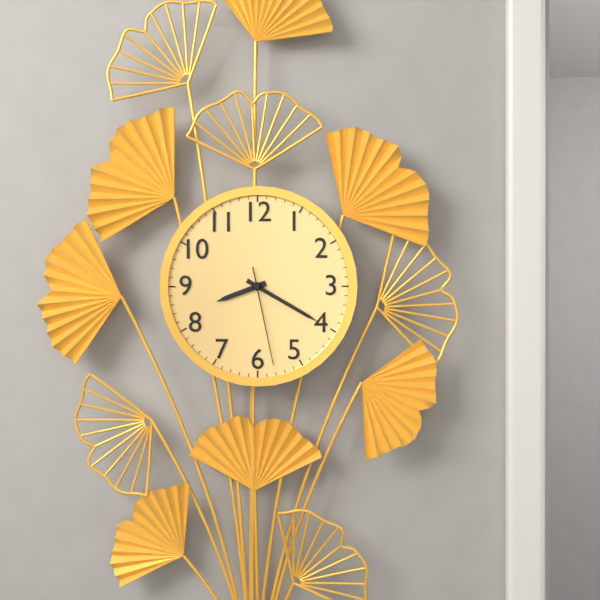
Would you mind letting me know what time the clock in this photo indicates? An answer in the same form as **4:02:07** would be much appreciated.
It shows **8:20:28**
